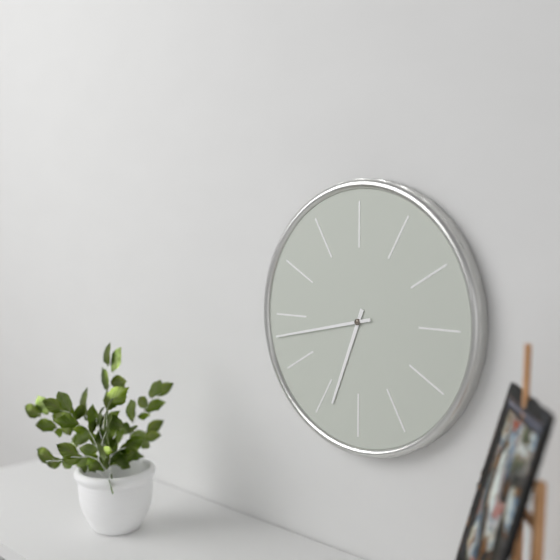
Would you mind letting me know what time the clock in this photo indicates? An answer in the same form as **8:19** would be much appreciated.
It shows **6:43**
